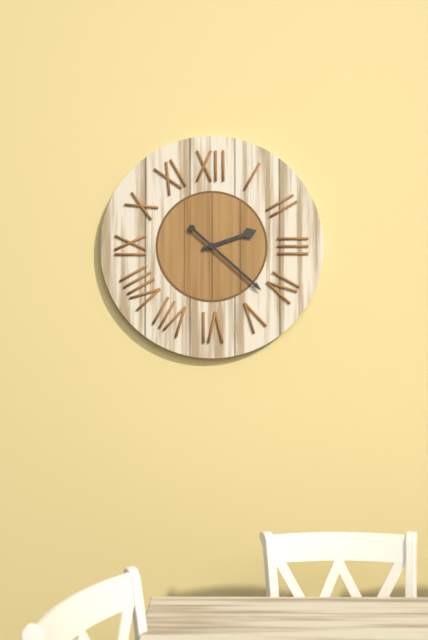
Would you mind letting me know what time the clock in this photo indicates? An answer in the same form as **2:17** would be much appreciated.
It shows **2:22**
